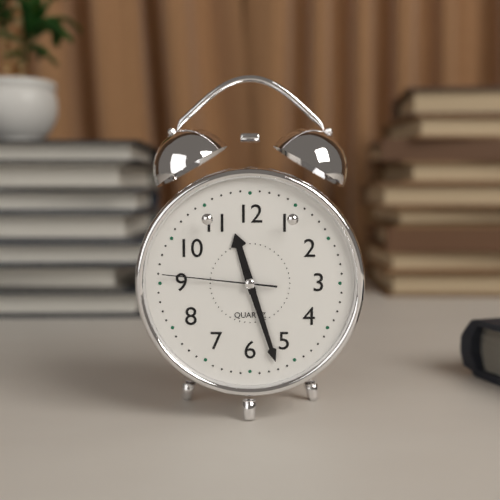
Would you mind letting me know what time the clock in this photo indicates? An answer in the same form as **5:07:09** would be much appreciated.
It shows **11:27:46**
